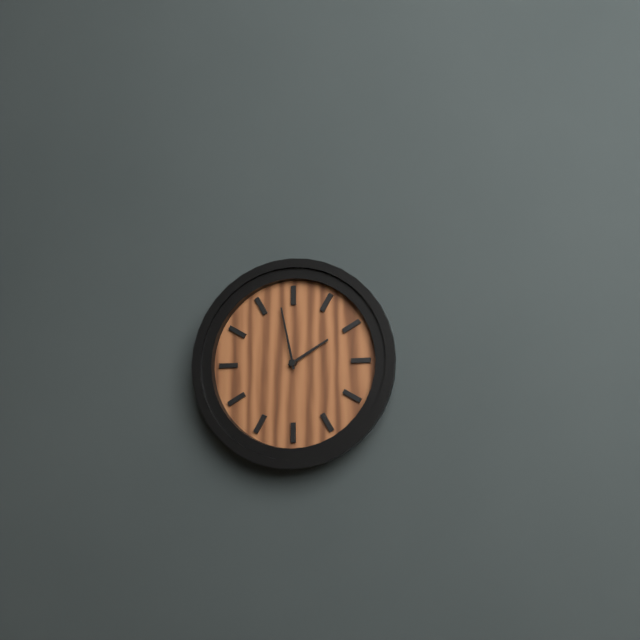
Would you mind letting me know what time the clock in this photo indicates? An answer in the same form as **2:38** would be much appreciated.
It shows **1:58**
